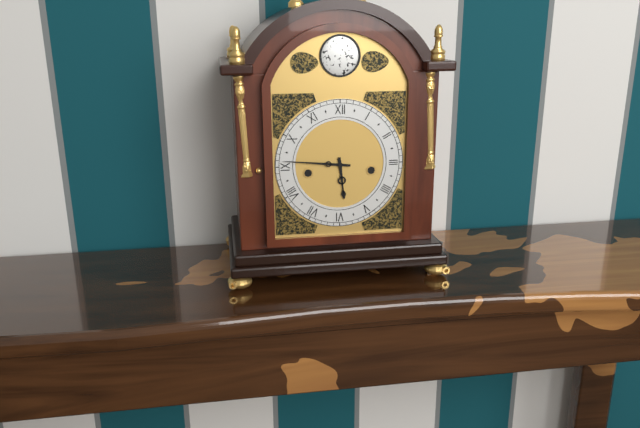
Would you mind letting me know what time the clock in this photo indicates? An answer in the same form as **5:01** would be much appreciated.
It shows **5:46**
